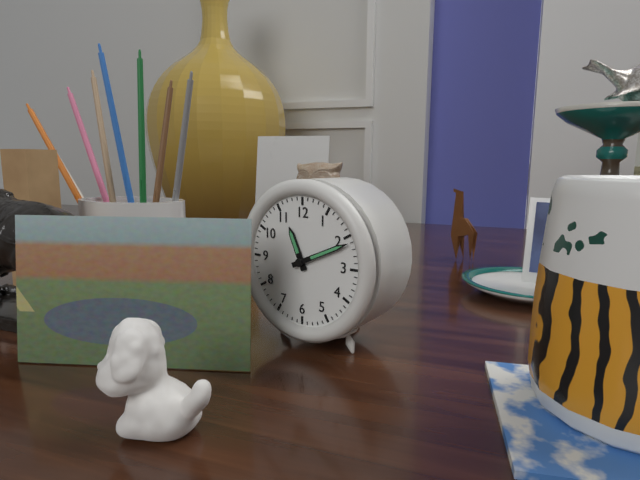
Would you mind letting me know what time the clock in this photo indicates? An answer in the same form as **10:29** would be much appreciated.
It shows **11:11**
